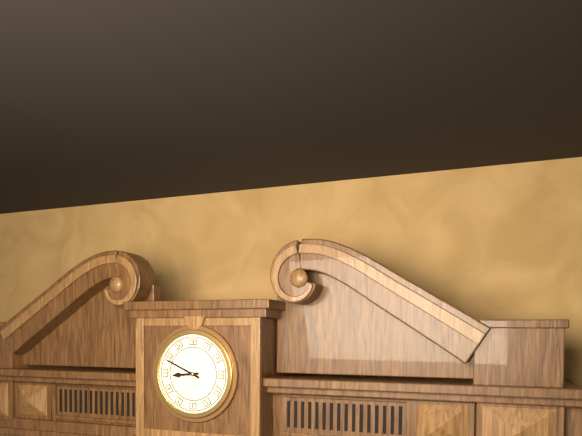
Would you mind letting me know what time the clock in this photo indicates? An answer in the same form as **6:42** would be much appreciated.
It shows **8:49**
